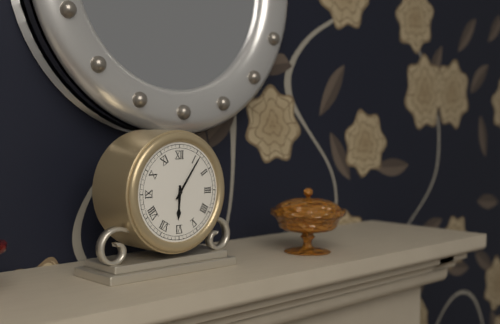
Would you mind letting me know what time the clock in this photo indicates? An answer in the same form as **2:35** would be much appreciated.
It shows **6:06**
